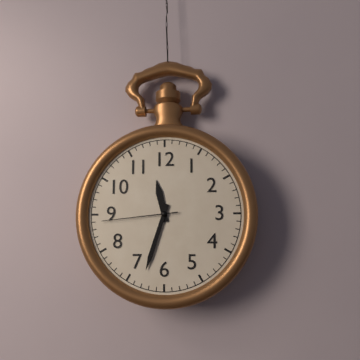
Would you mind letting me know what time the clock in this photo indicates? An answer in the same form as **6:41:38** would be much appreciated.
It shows **11:33:44**
